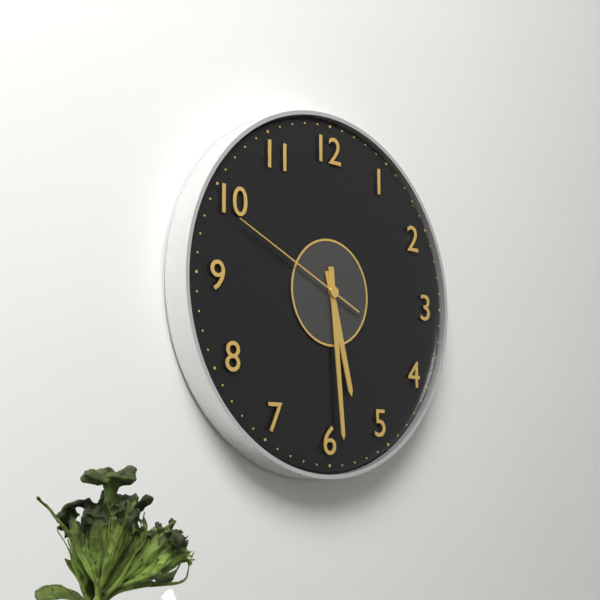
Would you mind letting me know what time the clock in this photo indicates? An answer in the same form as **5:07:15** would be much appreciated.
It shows **5:29:49**
